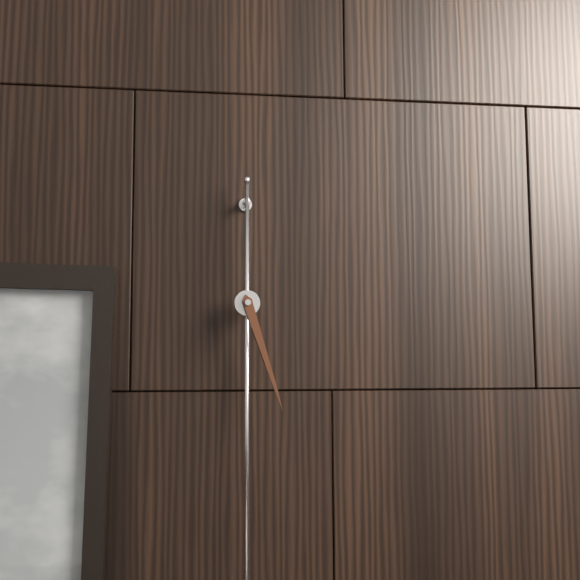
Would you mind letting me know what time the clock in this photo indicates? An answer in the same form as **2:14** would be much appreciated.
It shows **5:27**
